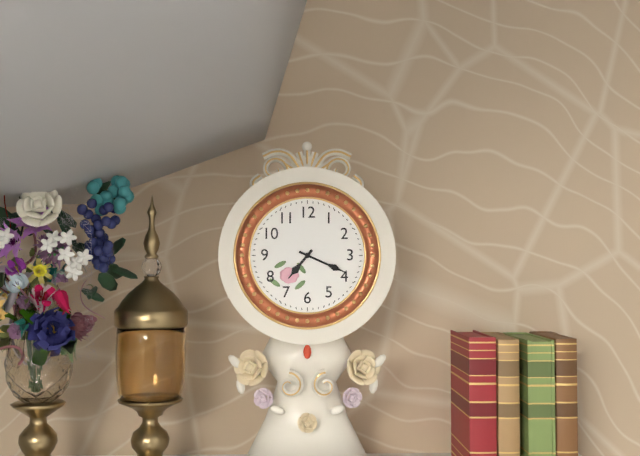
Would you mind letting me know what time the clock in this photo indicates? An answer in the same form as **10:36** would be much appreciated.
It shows **7:19**
